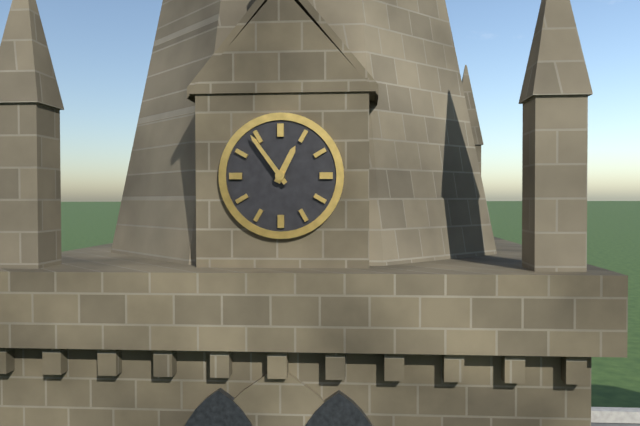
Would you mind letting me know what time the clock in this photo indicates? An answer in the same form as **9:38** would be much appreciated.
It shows **12:54**
